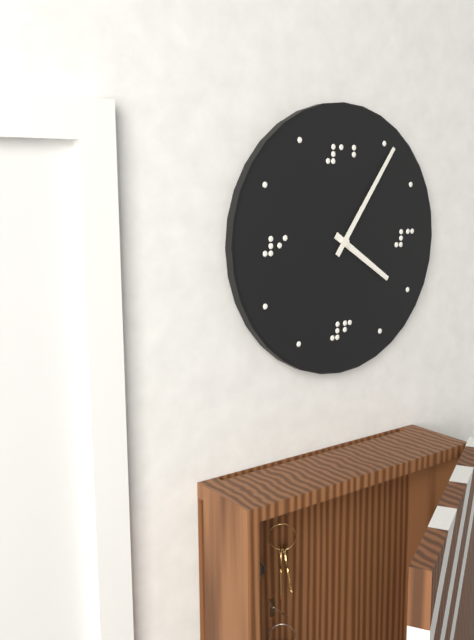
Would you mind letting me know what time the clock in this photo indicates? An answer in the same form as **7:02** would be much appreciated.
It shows **4:06**
